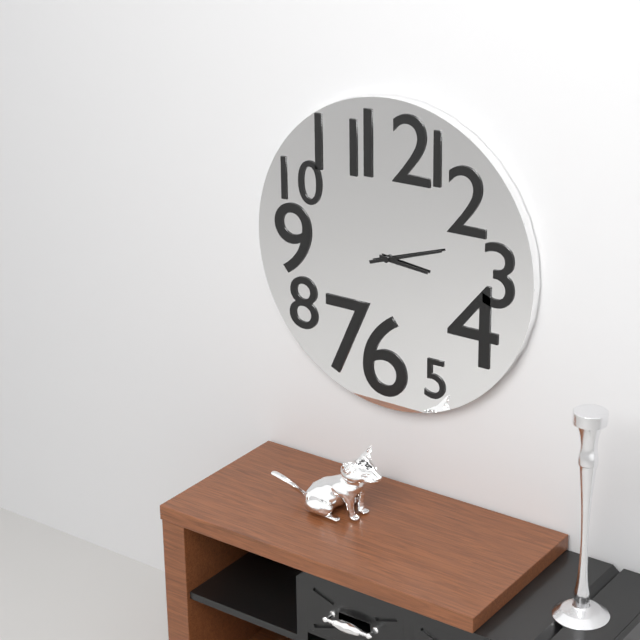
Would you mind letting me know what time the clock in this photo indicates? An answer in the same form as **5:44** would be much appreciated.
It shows **3:12**
